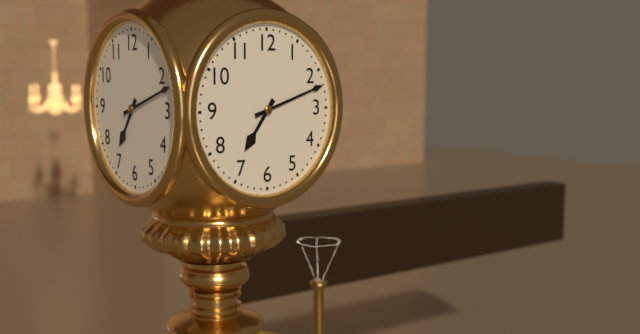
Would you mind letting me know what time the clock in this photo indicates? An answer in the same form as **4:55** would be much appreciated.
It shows **7:12**
